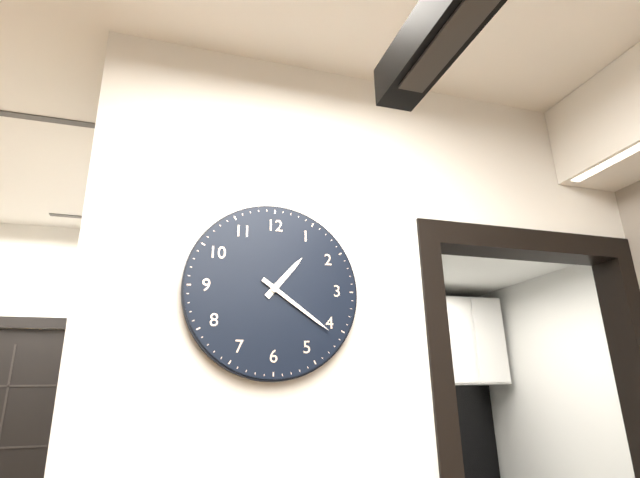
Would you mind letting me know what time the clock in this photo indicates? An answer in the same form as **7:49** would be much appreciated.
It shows **1:21**
